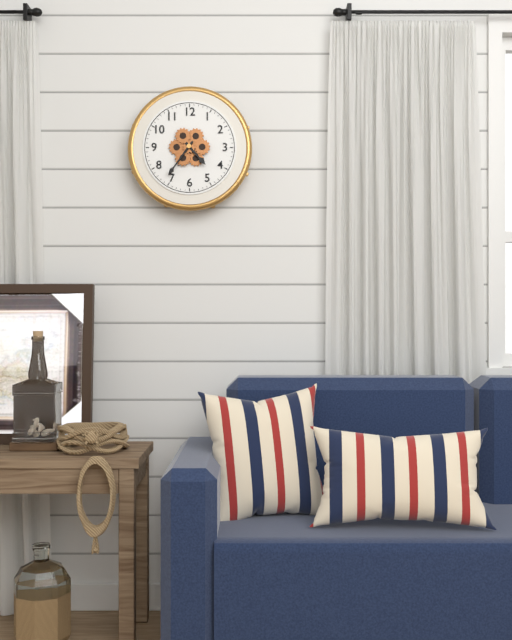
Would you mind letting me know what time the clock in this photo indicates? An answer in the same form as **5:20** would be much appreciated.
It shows **4:36**
